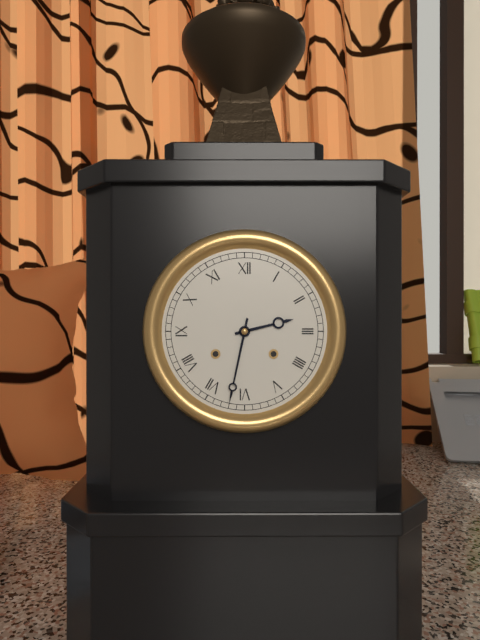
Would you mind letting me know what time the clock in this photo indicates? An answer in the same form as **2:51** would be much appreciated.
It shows **2:32**
